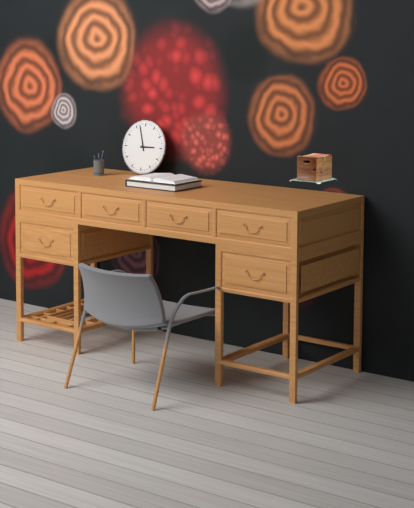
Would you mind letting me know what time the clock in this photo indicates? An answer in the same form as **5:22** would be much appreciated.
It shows **2:57**
